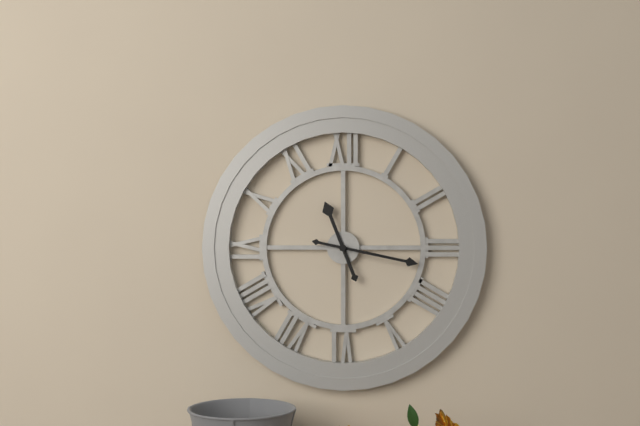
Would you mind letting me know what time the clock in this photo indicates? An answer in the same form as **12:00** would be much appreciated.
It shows **11:17**
